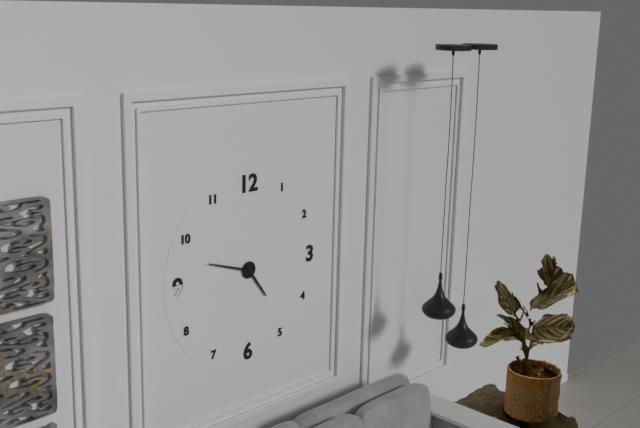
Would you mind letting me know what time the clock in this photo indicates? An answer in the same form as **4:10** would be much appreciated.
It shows **4:48**
